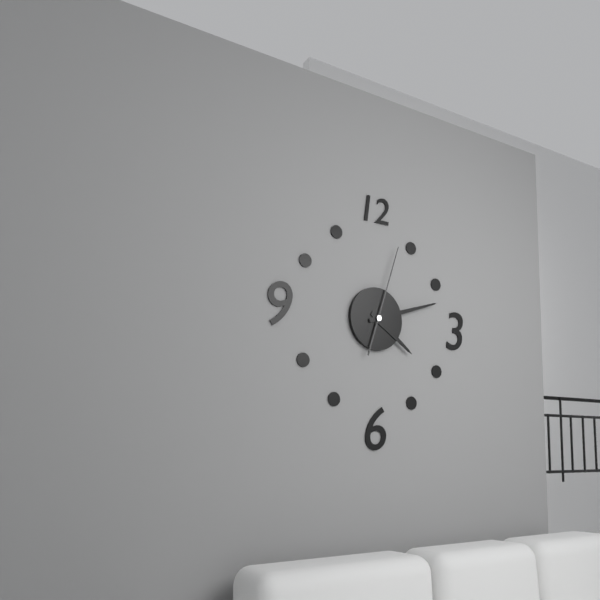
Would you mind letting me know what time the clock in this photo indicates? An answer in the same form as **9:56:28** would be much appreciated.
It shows **4:12:03**
